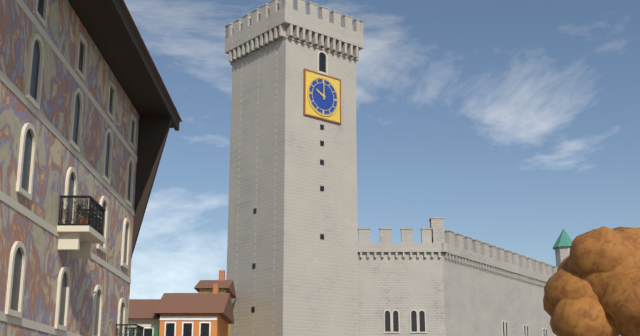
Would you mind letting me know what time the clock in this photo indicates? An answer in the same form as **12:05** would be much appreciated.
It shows **10:00**
